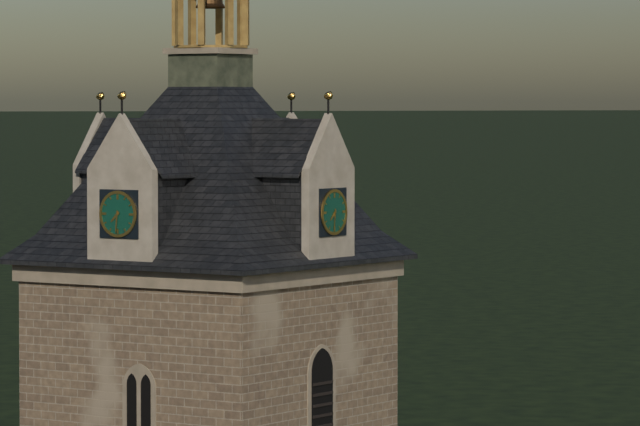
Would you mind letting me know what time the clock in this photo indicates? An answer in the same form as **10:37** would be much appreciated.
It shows **7:31**
